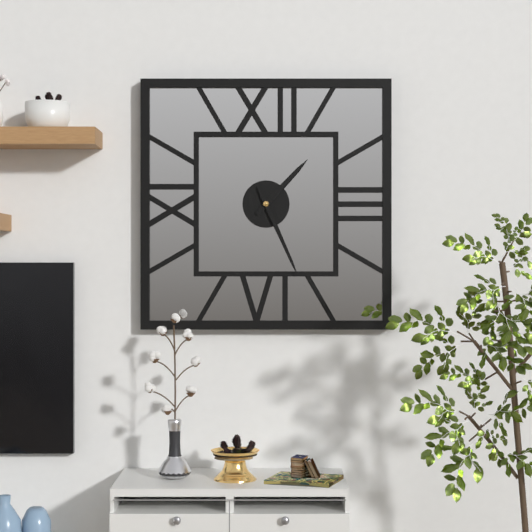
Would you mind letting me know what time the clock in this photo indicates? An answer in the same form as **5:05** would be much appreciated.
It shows **1:26**
